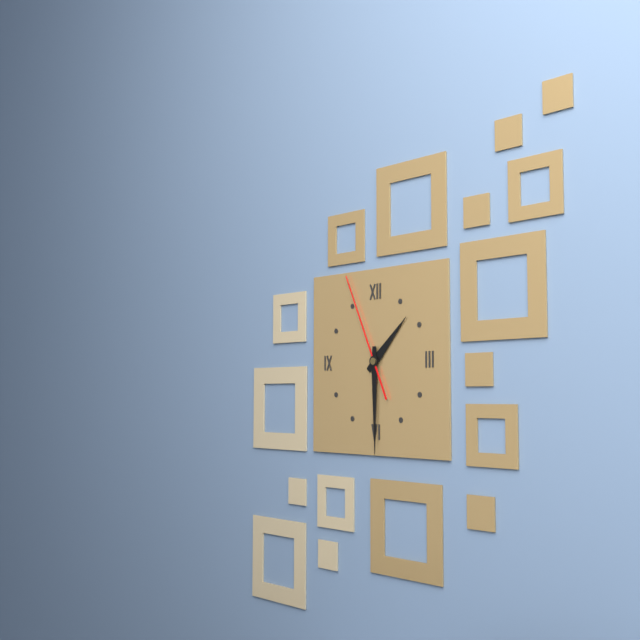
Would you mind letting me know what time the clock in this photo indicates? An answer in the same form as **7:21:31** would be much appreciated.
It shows **1:30:56**
